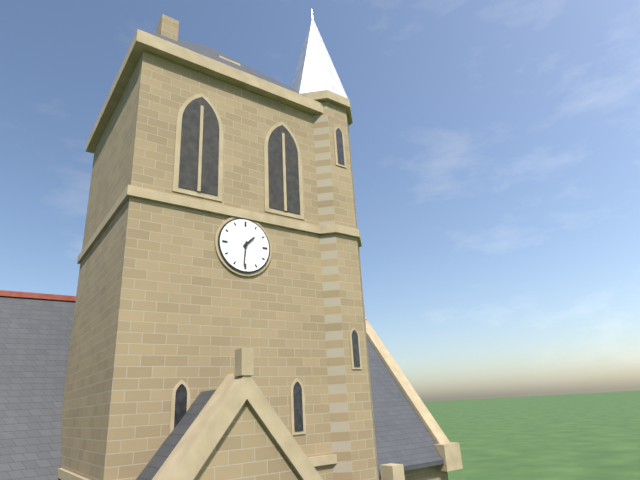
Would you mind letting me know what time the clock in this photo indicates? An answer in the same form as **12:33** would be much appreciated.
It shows **1:31**
